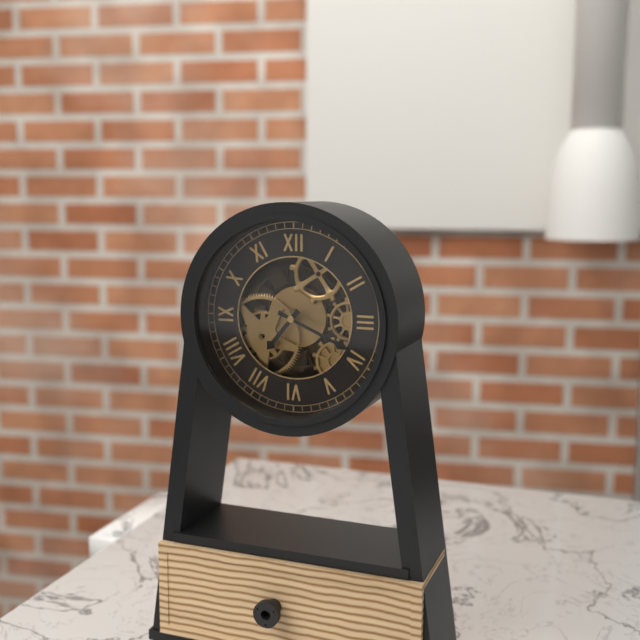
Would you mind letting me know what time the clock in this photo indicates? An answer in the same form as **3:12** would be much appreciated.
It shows **7:19**
